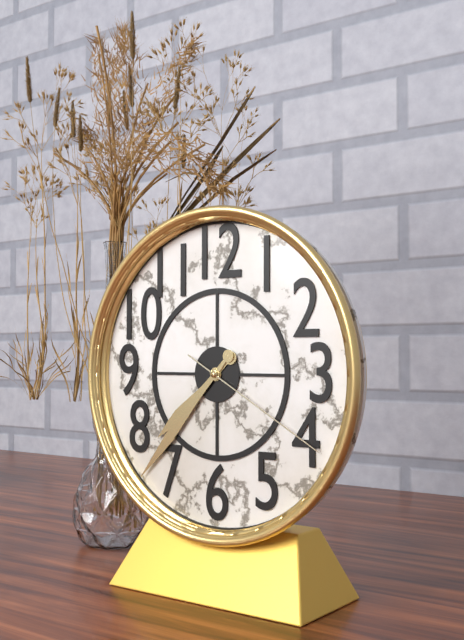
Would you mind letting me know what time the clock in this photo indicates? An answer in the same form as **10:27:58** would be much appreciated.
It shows **7:37:20**
